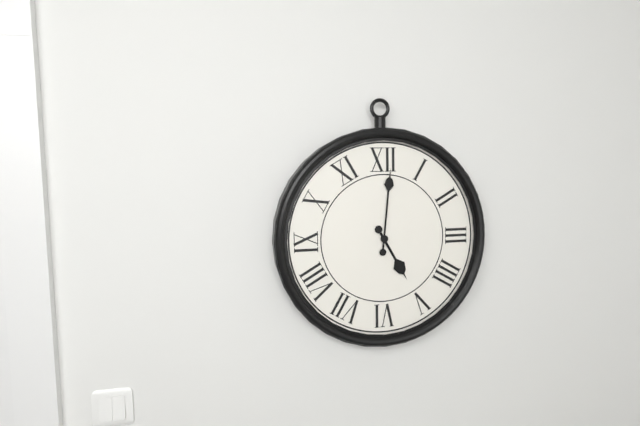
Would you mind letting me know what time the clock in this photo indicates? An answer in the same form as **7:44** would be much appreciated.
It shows **5:01**
